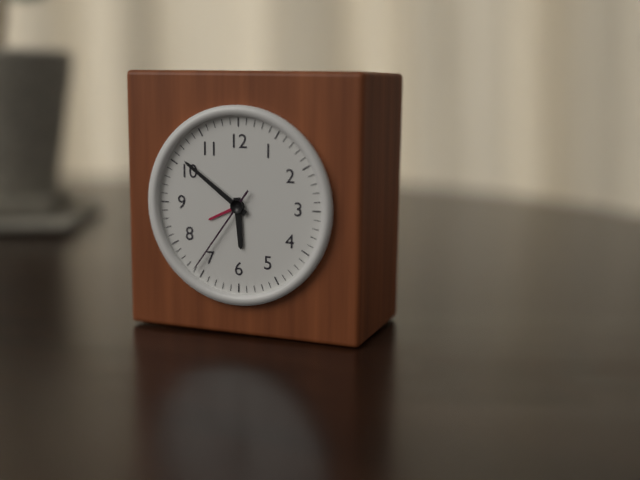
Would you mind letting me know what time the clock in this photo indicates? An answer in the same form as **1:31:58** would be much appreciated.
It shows **5:51:36**
